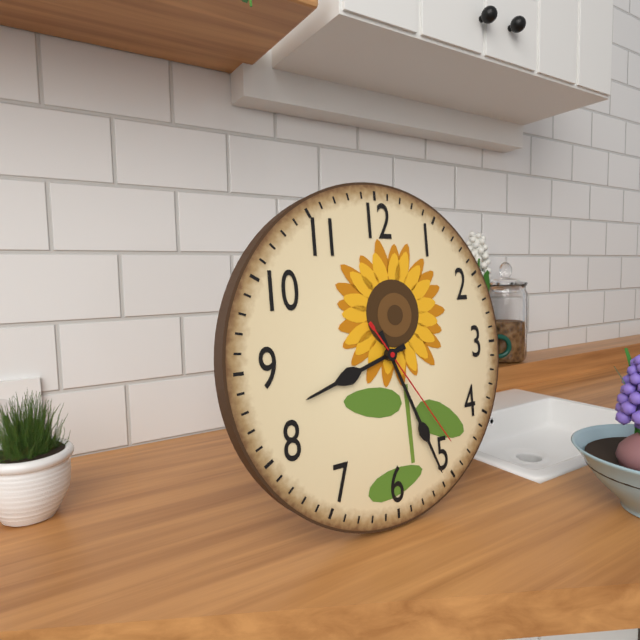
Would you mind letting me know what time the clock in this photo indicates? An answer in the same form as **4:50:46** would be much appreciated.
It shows **8:26:24**
